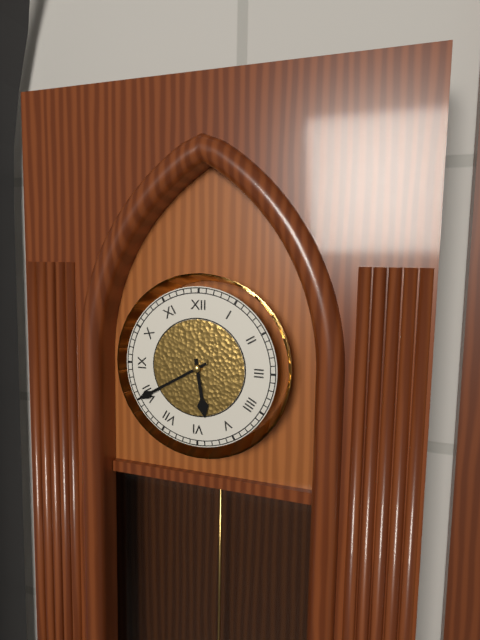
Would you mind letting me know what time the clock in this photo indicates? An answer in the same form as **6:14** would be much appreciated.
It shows **5:40**
